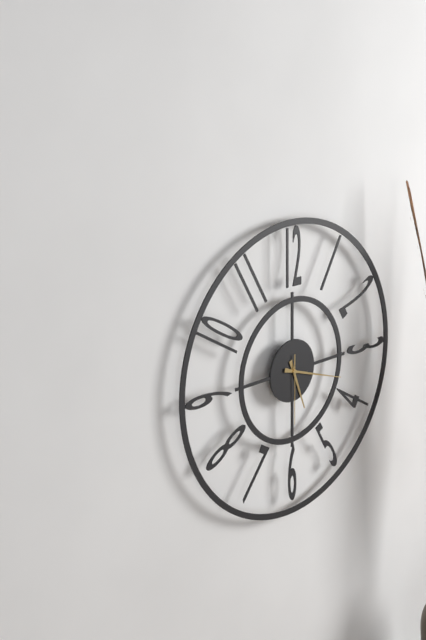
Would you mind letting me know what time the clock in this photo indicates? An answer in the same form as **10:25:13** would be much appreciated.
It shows **5:18:30**
